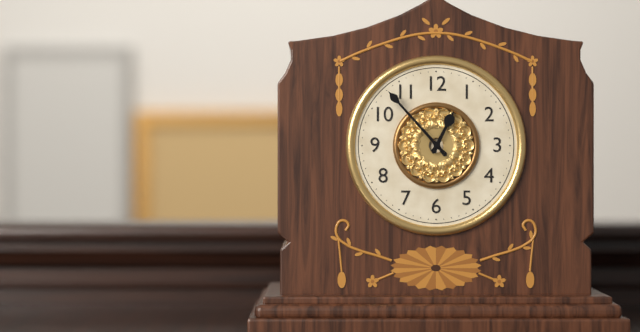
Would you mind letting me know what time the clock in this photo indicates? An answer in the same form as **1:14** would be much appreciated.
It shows **12:53**
